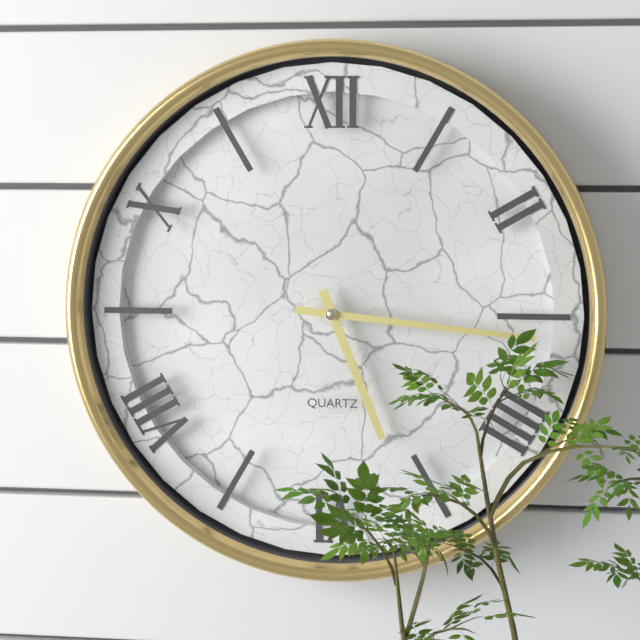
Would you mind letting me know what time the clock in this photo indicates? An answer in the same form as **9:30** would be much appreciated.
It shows **5:16**
